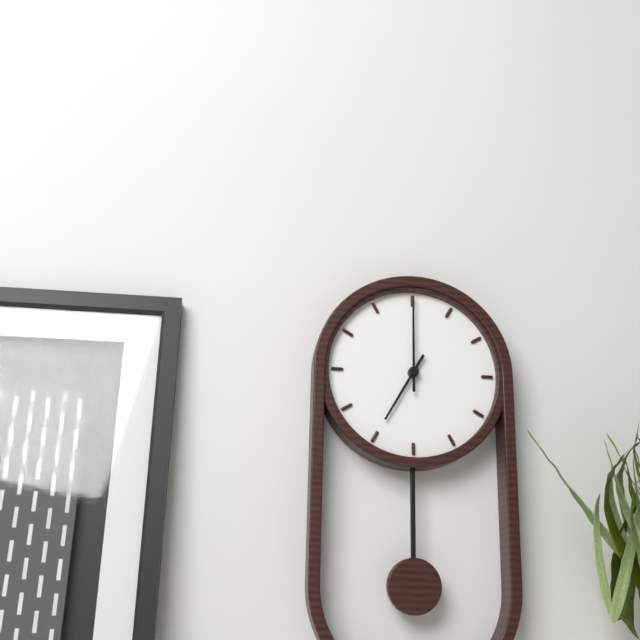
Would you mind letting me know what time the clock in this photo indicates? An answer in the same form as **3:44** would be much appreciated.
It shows **7:00**
